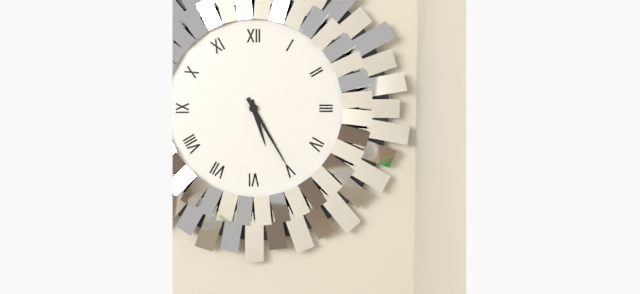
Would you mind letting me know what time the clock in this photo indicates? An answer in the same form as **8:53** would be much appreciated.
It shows **5:25**
